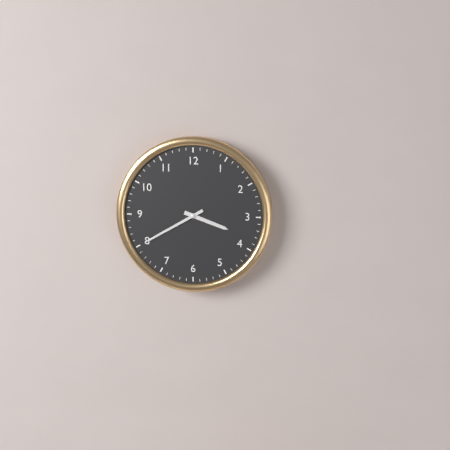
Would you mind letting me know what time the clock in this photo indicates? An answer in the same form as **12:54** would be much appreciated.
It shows **3:40**
